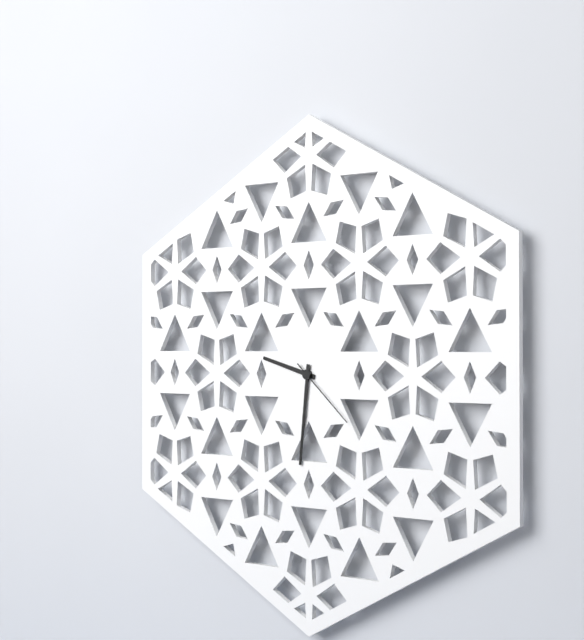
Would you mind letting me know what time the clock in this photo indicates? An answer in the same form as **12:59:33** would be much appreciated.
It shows **9:31:22**
